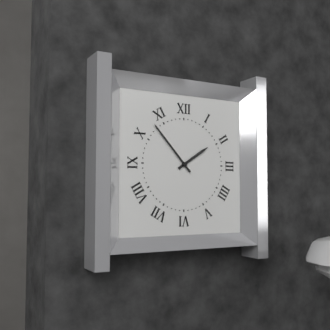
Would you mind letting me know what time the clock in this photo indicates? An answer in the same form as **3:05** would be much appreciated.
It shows **1:53**
